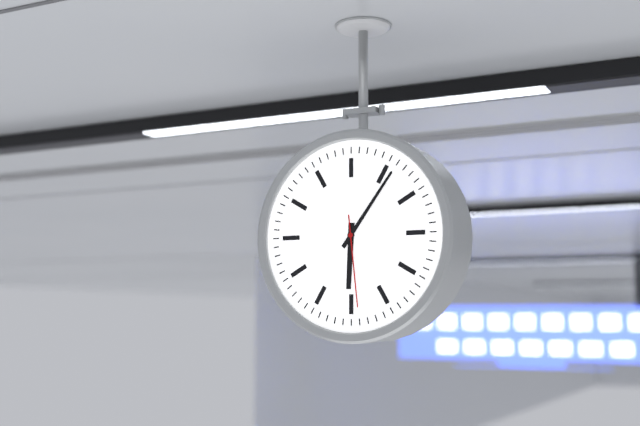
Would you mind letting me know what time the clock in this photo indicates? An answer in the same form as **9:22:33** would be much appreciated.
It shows **6:06:29**
